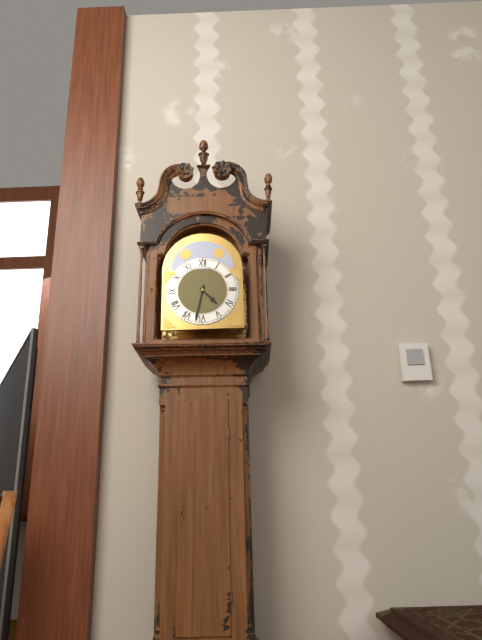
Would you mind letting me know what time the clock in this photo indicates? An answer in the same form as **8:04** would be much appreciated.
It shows **4:32**
